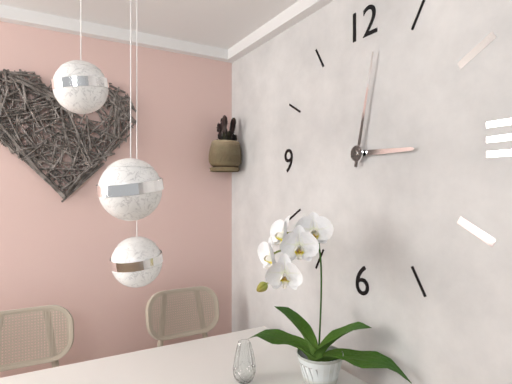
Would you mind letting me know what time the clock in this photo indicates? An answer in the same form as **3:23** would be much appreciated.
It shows **3:02**
